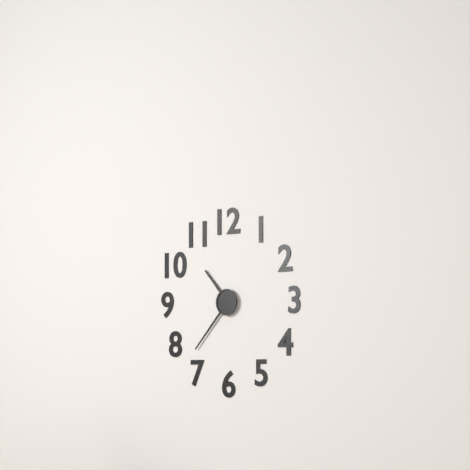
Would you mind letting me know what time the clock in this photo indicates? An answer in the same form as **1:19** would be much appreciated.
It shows **10:37**
